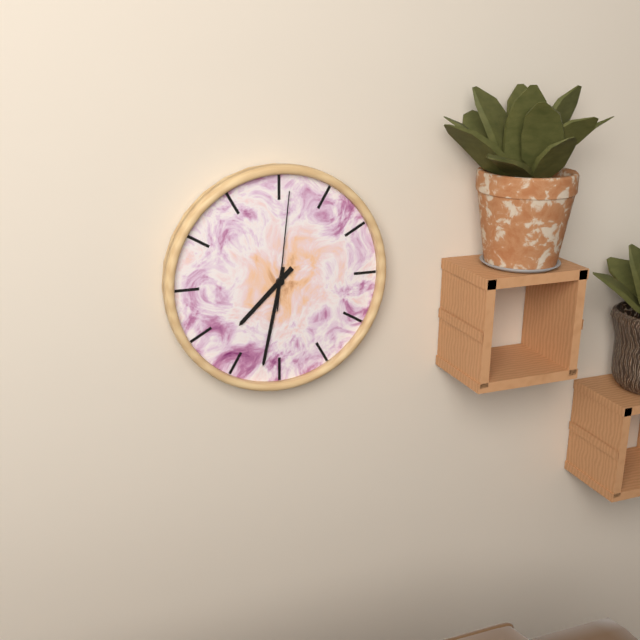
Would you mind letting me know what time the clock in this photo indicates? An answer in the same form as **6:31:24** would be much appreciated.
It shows **7:32:01**
